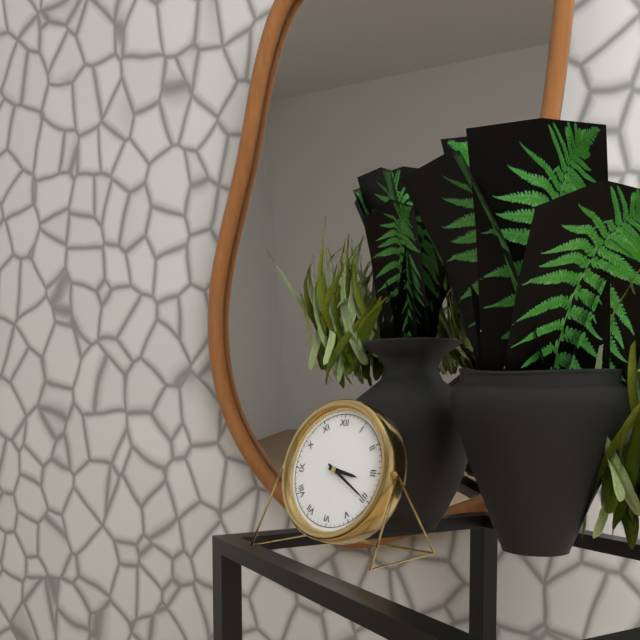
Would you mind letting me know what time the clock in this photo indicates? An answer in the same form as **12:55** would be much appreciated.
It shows **3:20**
